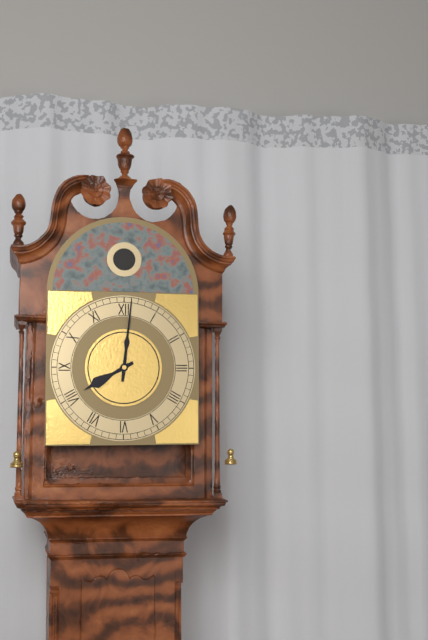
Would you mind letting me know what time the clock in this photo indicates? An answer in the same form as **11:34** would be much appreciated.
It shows **8:01**
